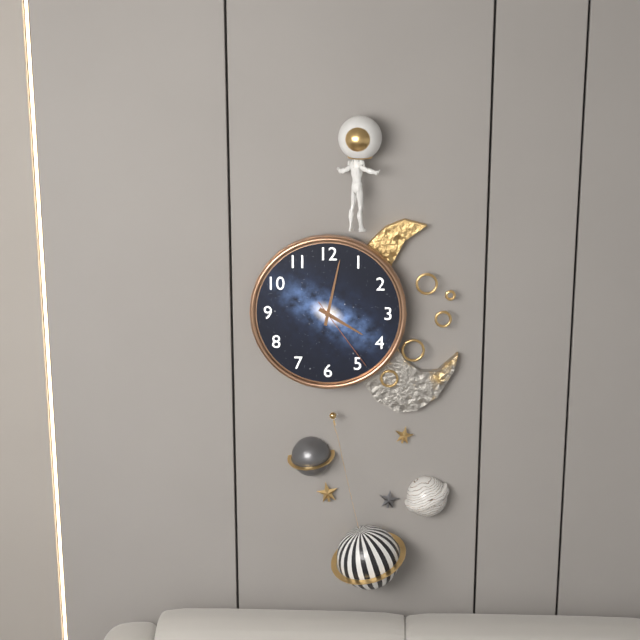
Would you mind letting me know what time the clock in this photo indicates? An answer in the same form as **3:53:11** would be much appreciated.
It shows **4:02:24**
